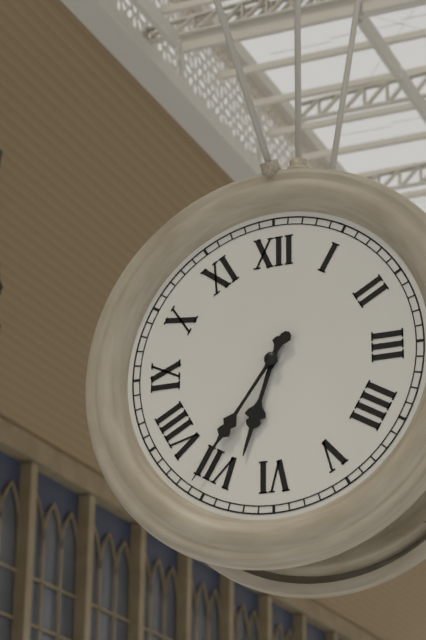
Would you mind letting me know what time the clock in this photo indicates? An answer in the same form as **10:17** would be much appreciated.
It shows **6:36**
